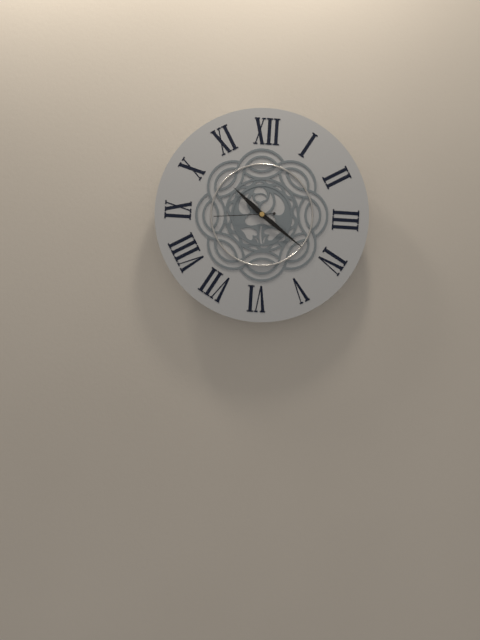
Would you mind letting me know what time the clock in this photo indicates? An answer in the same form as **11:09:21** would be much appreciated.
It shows **10:21:44**
